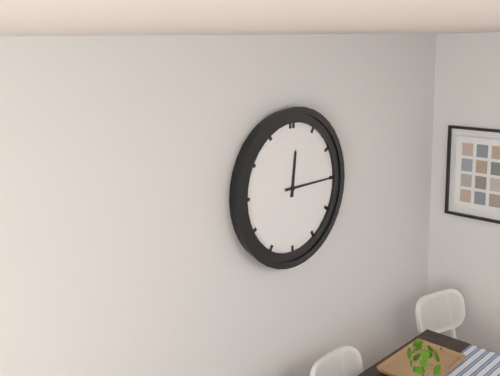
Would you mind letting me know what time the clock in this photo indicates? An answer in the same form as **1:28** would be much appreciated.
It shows **12:15**
